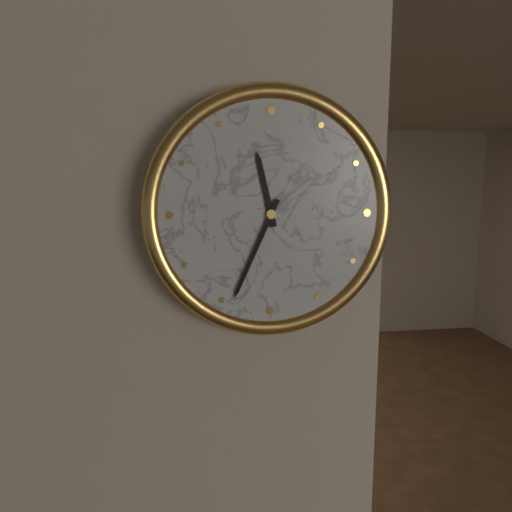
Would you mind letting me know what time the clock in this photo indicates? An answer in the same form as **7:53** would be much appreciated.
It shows **11:34**
